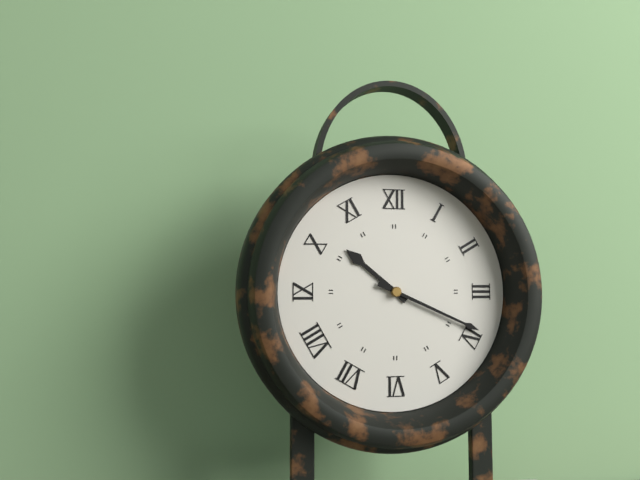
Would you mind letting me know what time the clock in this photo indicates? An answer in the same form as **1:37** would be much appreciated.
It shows **10:19**
